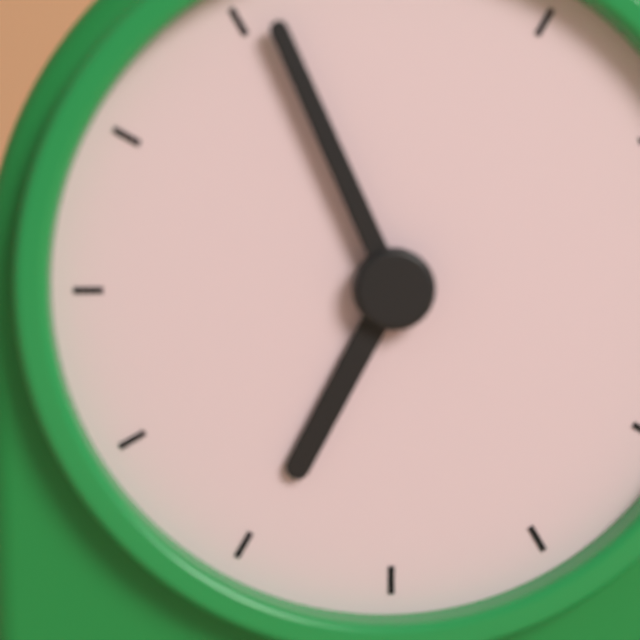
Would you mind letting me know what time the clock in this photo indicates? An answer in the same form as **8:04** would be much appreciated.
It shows **6:56**
